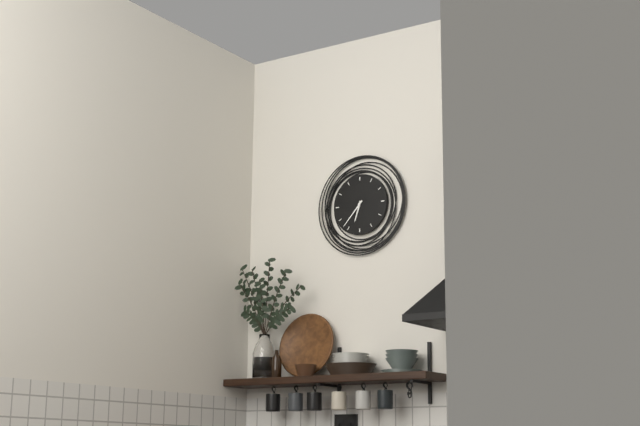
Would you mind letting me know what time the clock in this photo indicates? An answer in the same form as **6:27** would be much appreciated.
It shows **6:37**
